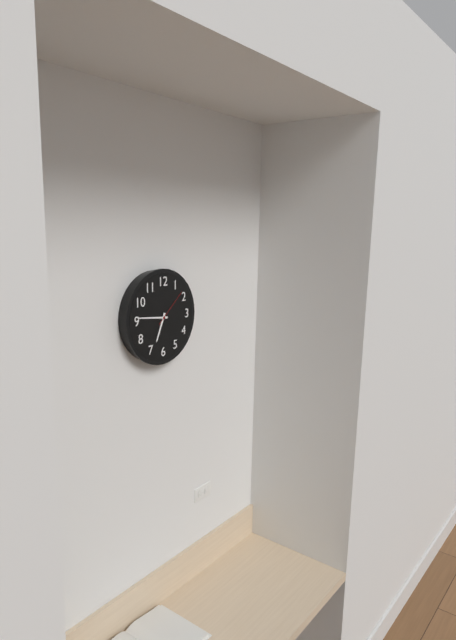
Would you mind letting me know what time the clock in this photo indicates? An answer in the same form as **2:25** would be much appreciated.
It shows **6:46**
